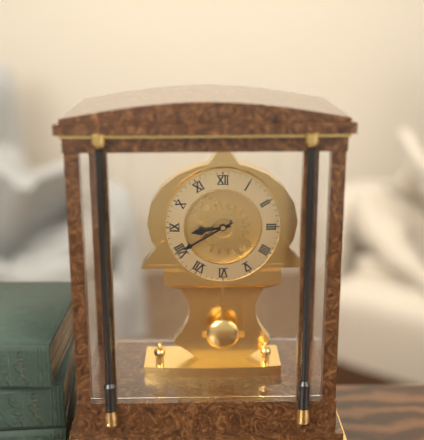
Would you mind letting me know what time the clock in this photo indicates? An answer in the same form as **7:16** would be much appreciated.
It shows **8:40**
